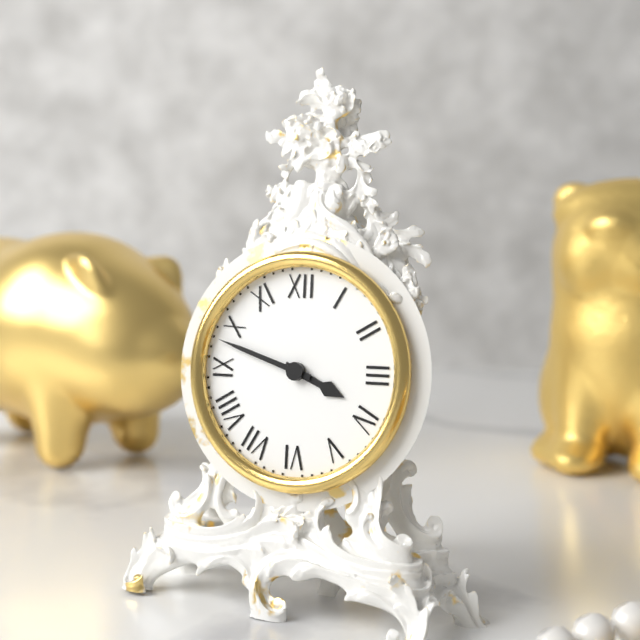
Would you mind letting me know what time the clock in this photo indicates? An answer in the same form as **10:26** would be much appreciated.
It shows **3:48**
